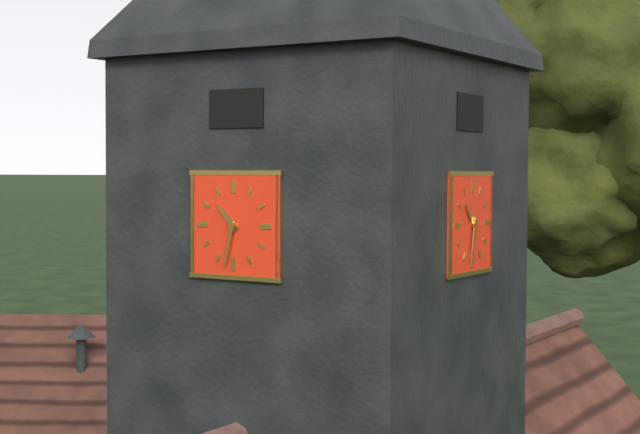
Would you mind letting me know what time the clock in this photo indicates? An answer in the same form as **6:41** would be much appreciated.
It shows **10:32**
